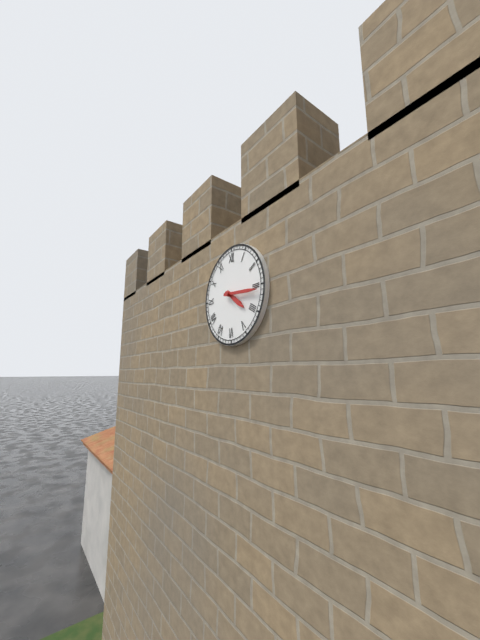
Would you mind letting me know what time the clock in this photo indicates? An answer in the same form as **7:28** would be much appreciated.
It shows **4:16**
